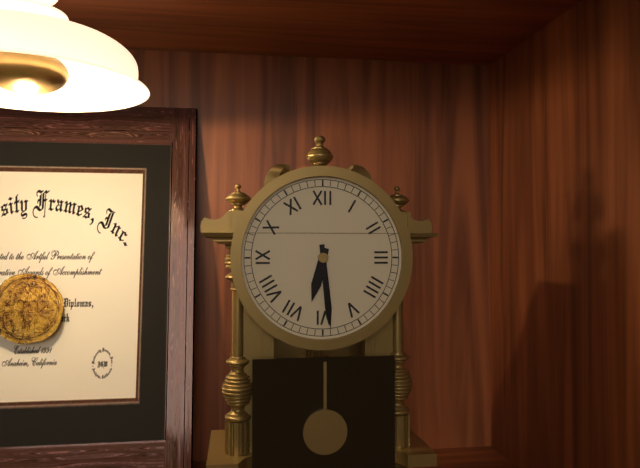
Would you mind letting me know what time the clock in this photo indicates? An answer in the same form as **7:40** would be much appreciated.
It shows **6:29**
